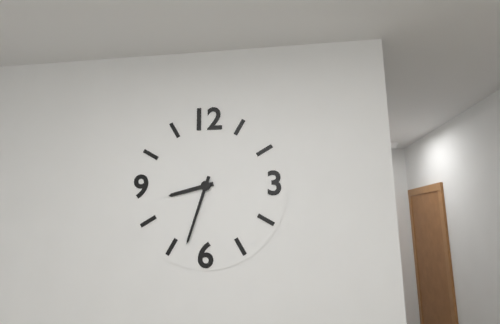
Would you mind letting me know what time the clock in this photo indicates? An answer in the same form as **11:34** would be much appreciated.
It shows **8:33**
